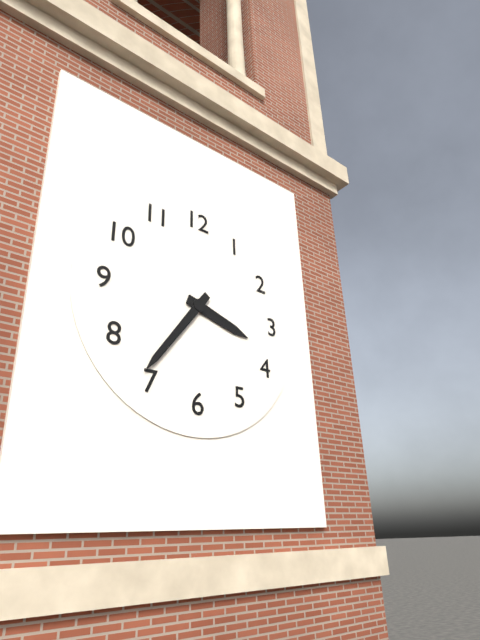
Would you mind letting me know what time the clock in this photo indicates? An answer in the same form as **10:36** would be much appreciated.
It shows **3:36**
